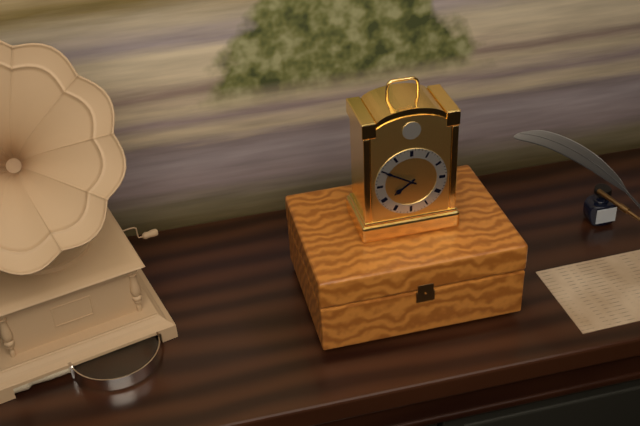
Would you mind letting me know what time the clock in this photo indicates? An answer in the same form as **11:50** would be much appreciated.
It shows **7:50**
